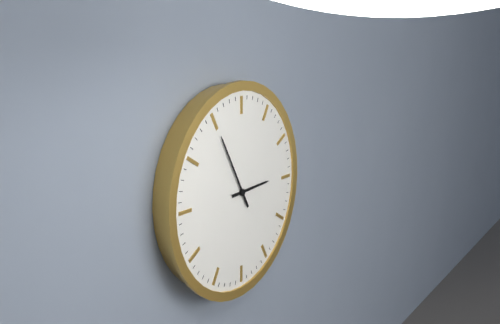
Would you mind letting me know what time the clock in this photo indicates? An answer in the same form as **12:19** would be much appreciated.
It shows **2:55**
